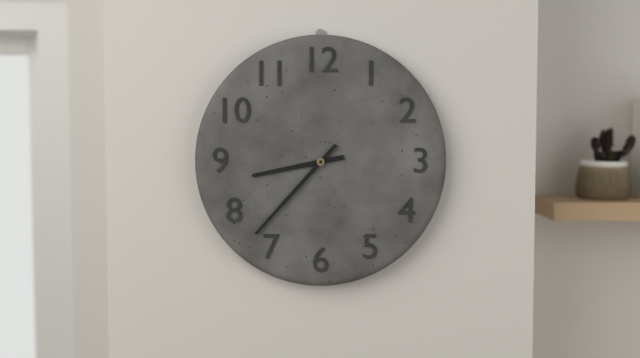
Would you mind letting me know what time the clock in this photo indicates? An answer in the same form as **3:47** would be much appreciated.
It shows **8:37**
